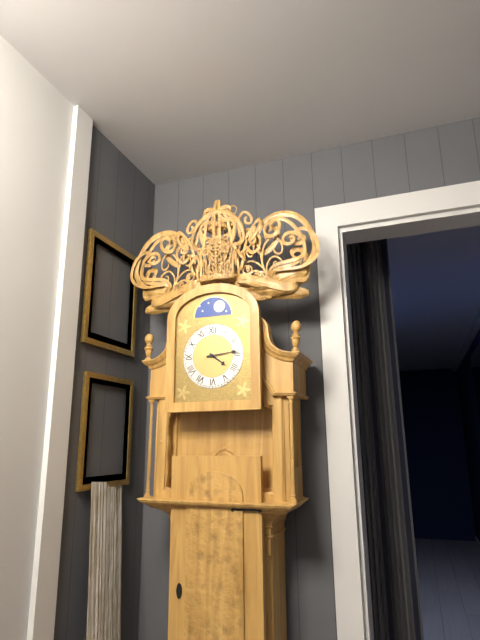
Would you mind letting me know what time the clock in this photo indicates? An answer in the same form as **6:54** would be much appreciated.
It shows **4:14**
